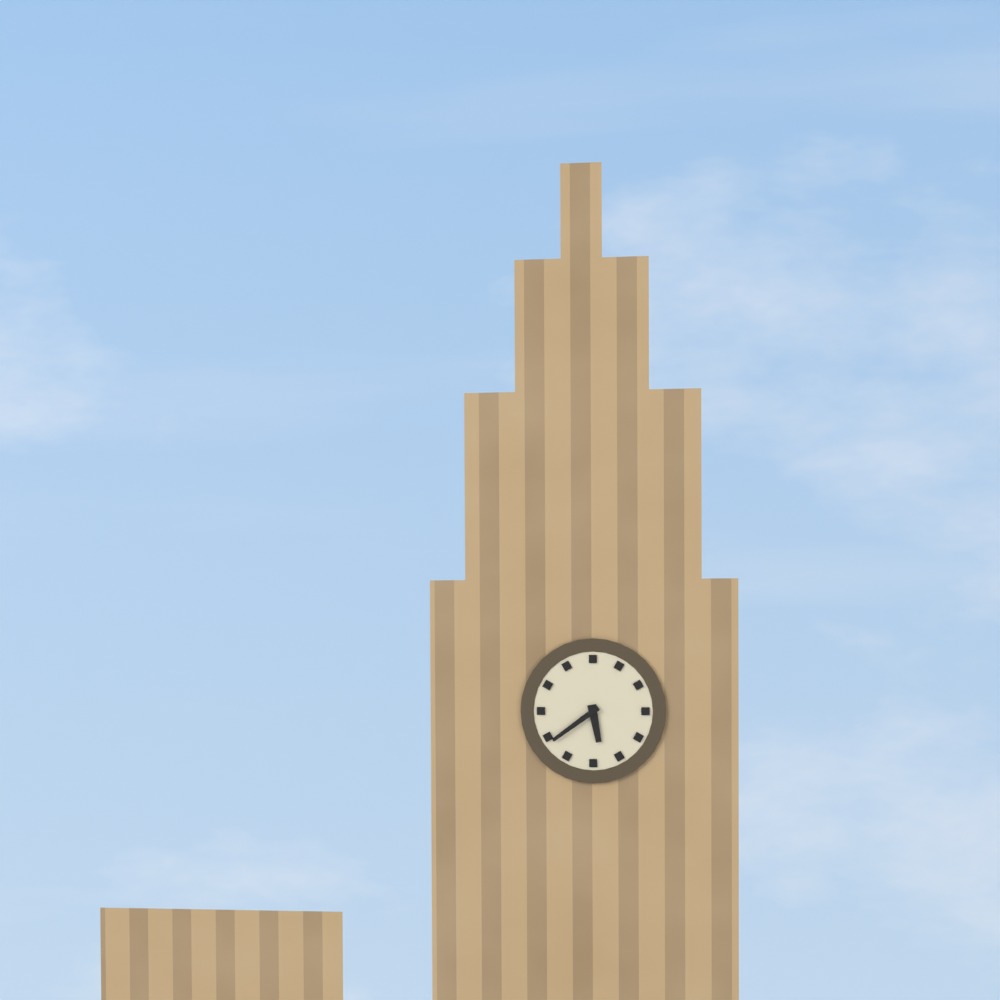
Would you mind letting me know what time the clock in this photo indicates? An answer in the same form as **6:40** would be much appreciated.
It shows **5:39**
